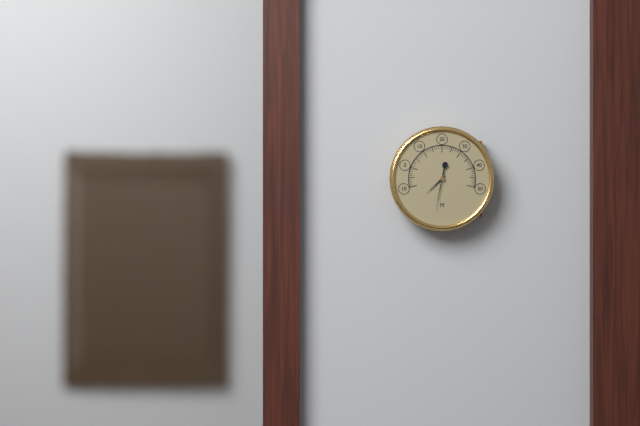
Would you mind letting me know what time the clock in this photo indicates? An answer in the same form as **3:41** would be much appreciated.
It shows **7:32**
